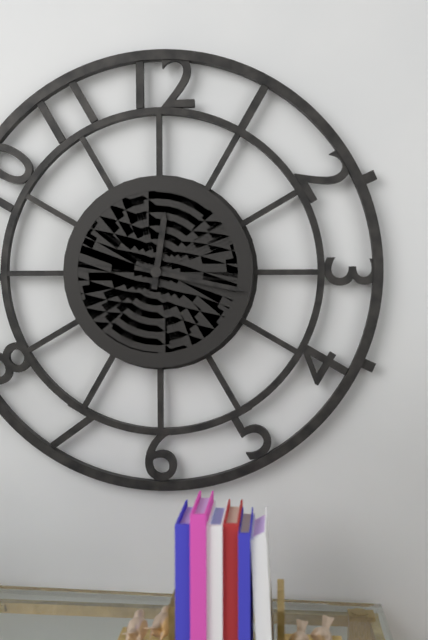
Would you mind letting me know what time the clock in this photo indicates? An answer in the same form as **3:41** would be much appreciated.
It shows **12:17**
